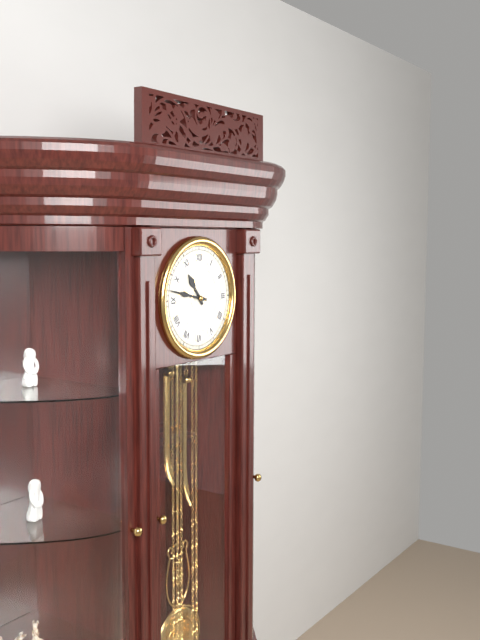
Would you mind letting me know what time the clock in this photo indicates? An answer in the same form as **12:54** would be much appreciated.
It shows **10:47**
